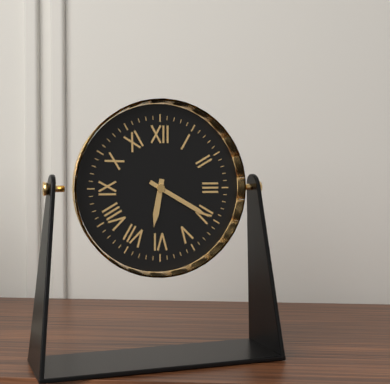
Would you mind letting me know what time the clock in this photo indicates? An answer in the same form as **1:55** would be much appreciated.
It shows **6:20**
